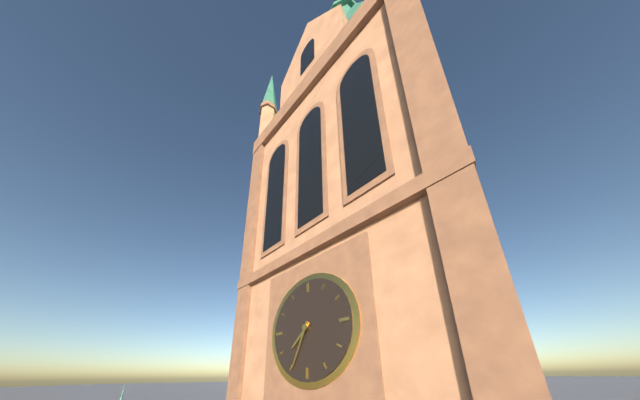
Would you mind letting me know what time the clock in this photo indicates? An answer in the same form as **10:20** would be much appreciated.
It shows **7:34**
